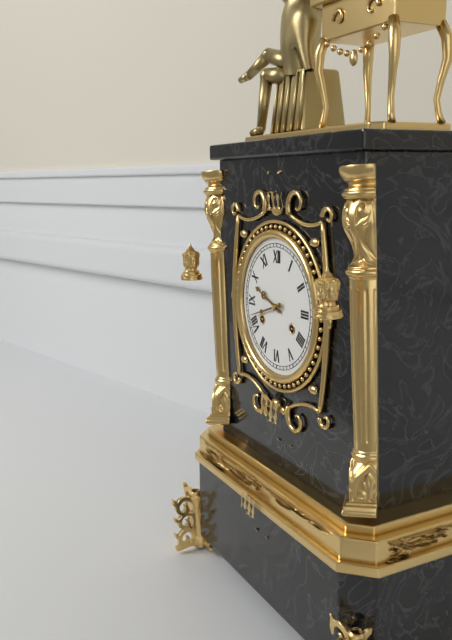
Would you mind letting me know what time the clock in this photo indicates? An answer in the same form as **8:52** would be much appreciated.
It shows **9:42**
